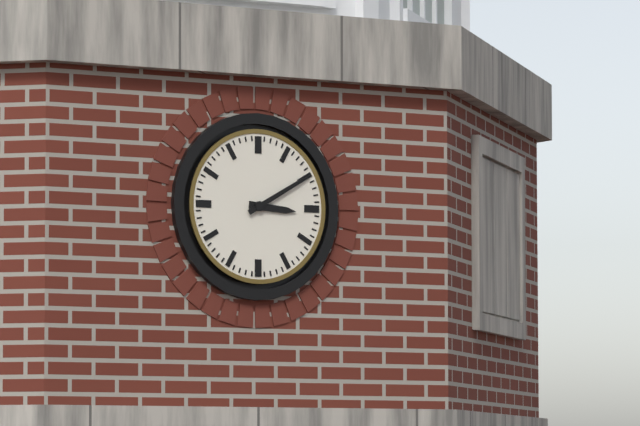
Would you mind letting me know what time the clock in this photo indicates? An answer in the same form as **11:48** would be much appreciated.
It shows **3:10**
